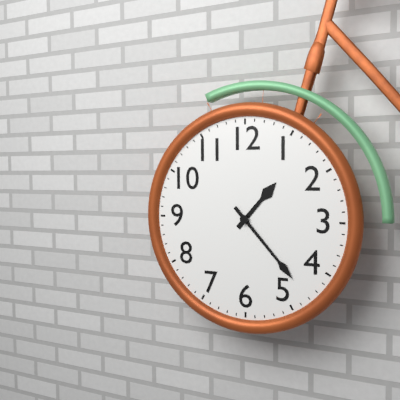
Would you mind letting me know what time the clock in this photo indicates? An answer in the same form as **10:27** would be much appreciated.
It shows **1:23**
